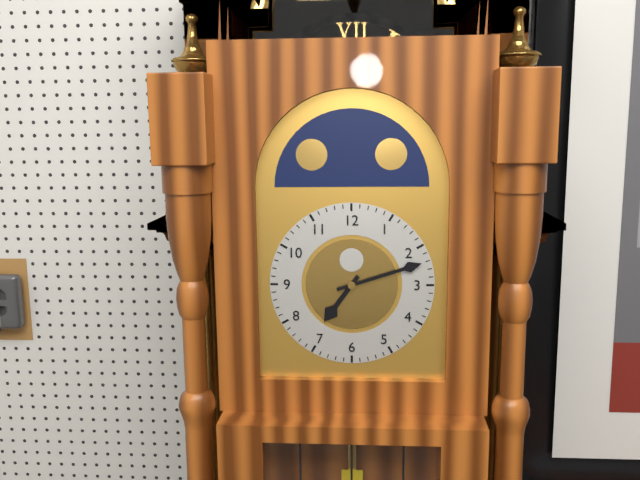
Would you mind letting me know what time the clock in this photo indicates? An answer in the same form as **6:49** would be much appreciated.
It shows **7:12**
